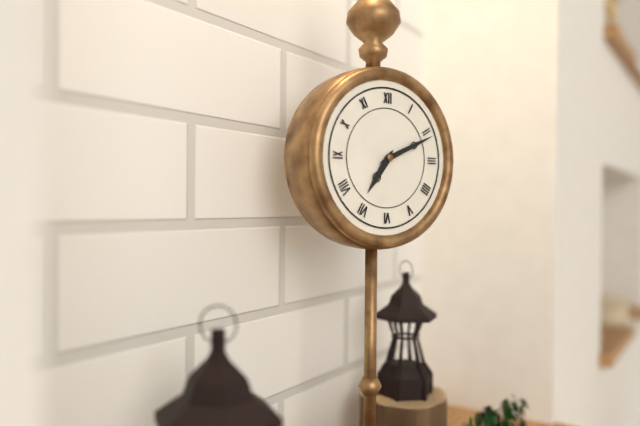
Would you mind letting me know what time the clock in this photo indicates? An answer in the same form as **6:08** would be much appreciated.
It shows **7:11**
